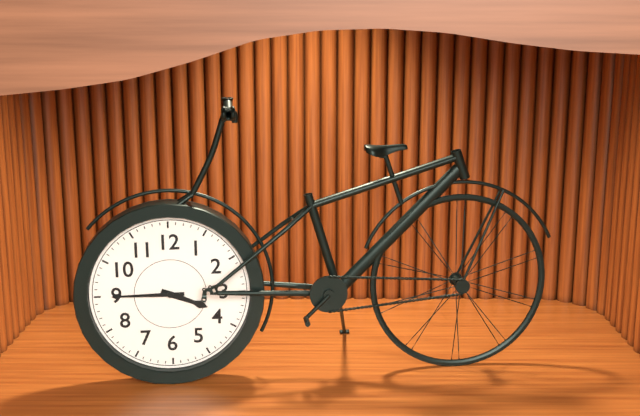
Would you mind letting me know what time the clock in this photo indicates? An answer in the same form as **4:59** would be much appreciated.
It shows **3:45**
